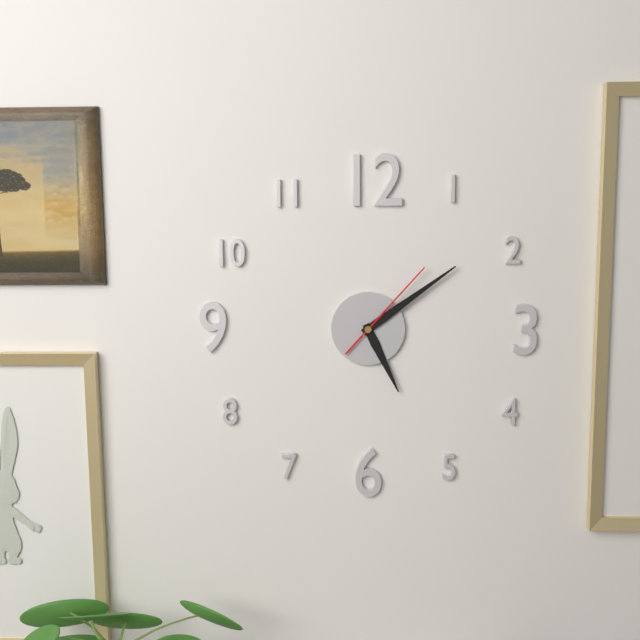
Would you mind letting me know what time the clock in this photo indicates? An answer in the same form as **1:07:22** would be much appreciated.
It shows **5:09:07**
